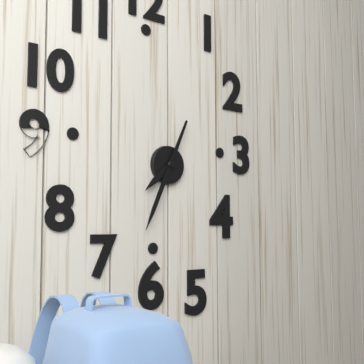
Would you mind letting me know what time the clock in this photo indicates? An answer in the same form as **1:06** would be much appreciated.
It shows **7:34**
